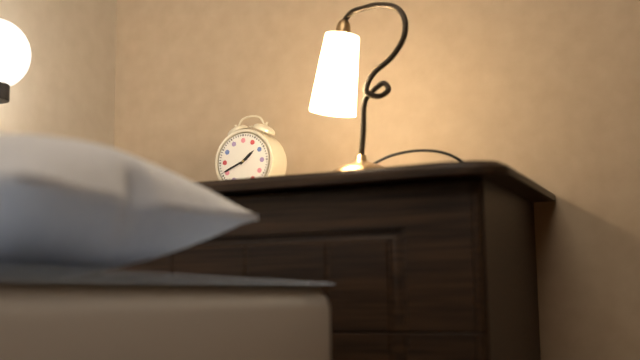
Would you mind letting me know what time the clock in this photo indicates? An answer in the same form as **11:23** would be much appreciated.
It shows **1:41**
